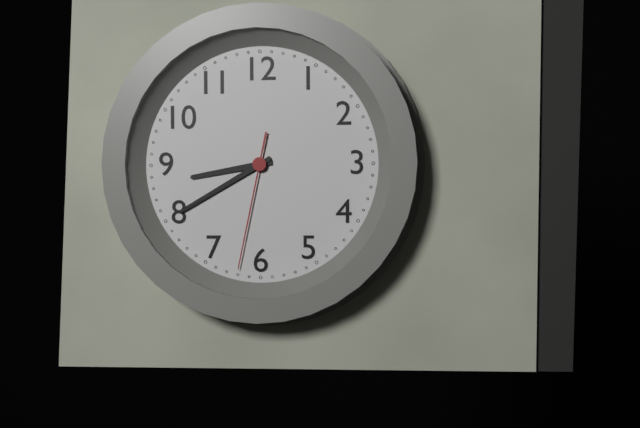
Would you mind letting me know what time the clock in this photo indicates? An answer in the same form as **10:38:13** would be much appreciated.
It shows **8:40:32**
